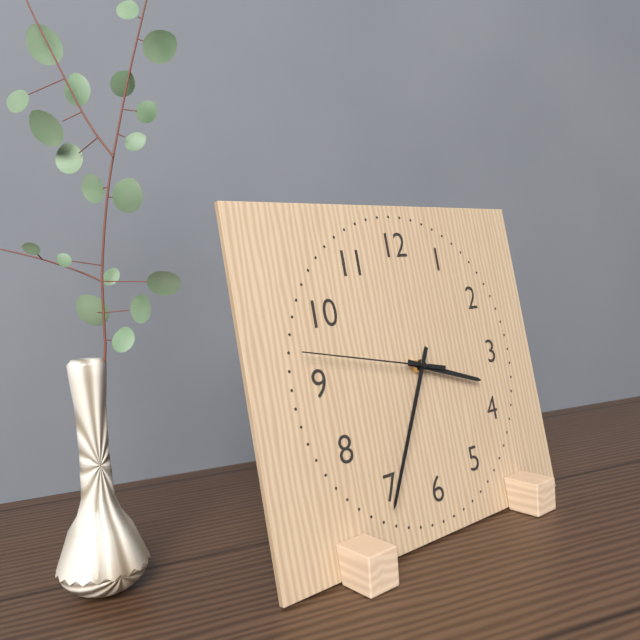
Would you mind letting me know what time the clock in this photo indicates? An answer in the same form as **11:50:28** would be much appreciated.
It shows **3:35:47**
